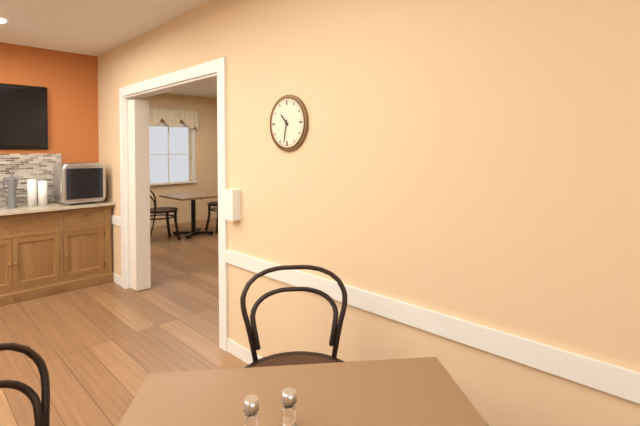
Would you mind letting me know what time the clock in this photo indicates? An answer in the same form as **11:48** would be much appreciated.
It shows **10:32**
